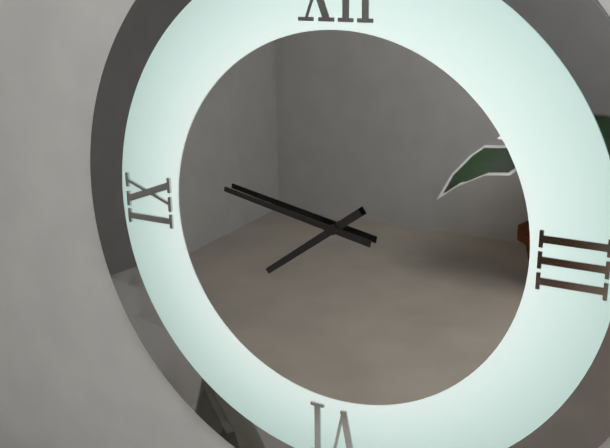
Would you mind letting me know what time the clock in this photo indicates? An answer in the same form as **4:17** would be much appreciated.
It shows **7:47**
